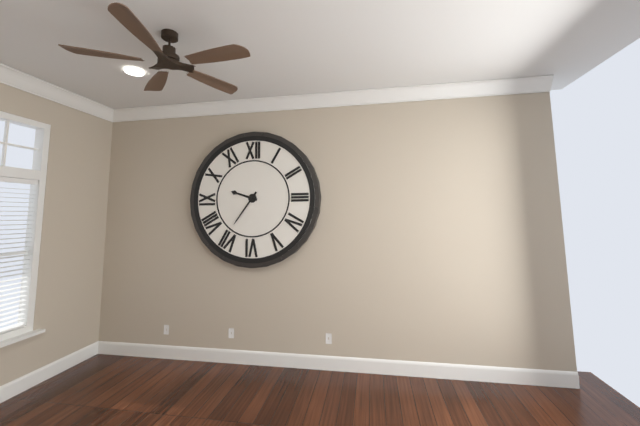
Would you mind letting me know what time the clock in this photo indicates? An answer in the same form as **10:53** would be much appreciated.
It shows **9:36**
